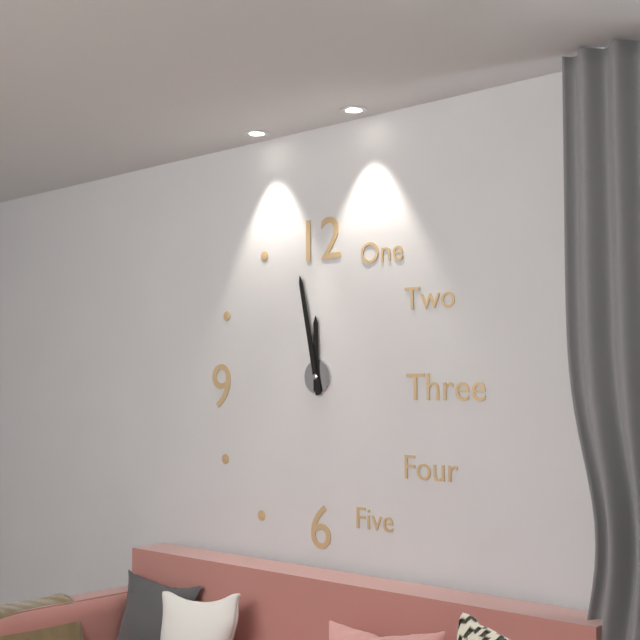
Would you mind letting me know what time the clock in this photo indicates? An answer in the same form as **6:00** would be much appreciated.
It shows **11:58**
